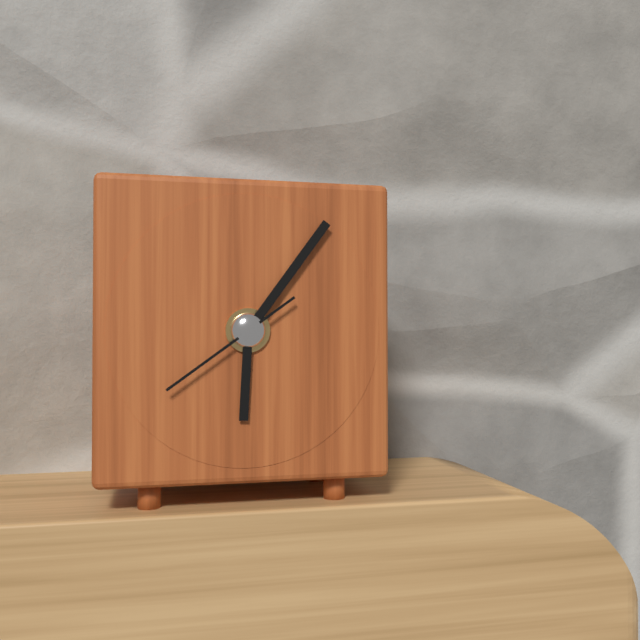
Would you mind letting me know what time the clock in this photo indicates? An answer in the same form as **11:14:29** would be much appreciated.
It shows **6:06:39**
